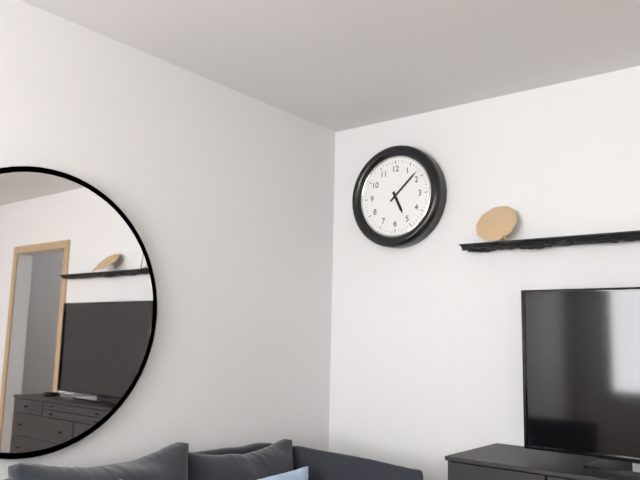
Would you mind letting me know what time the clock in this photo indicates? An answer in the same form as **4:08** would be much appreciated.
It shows **5:08**
